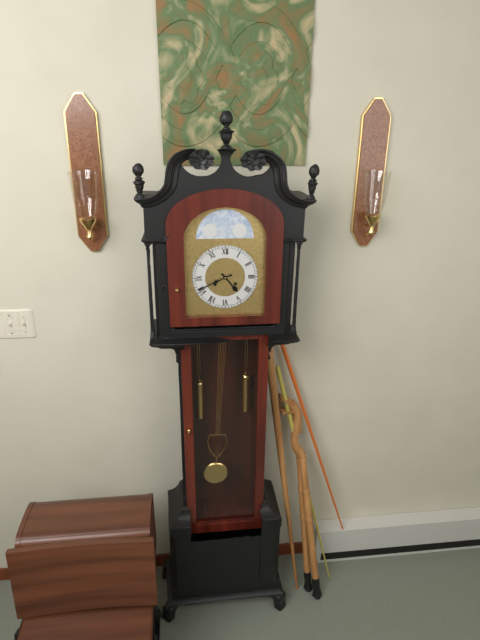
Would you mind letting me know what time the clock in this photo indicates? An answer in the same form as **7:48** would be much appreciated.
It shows **4:41**
